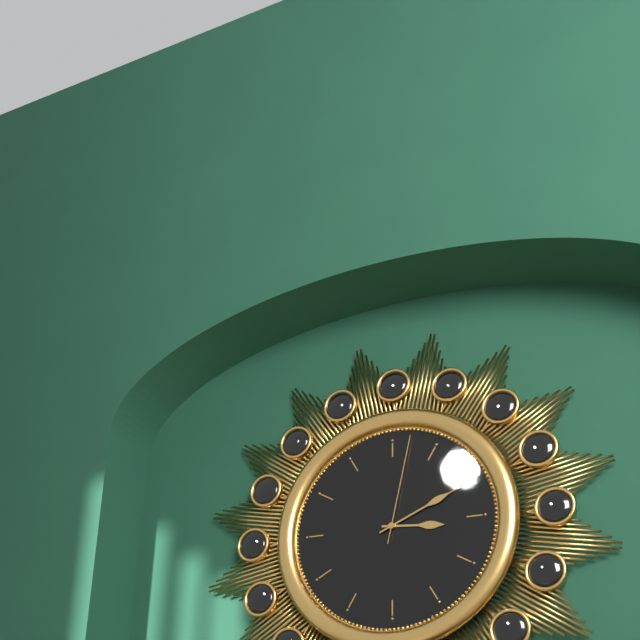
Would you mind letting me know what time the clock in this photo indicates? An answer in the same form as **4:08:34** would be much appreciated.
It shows **3:11:02**
